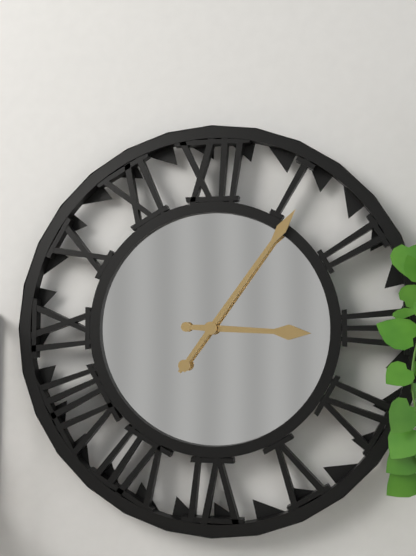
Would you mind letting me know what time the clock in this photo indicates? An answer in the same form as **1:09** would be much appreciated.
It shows **3:06**
